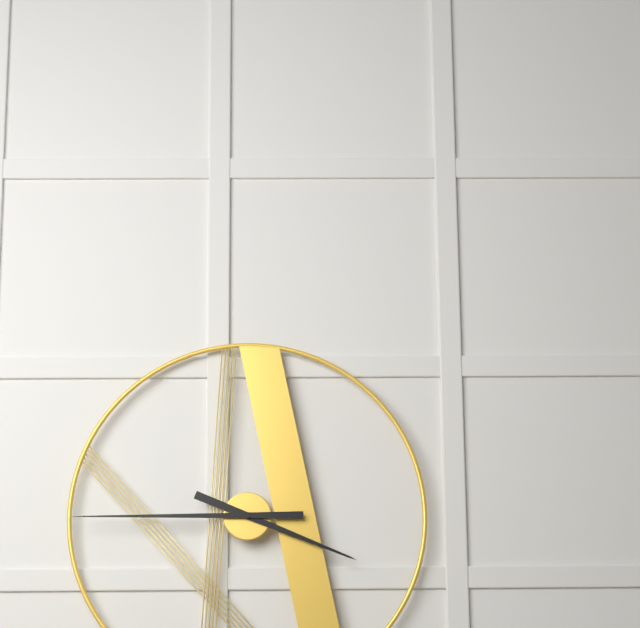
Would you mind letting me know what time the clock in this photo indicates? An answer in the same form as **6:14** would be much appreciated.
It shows **3:45**
